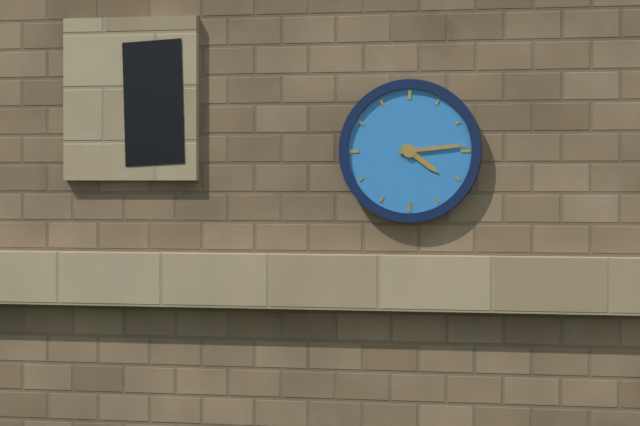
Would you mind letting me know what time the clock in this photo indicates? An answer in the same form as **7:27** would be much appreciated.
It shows **4:14**
